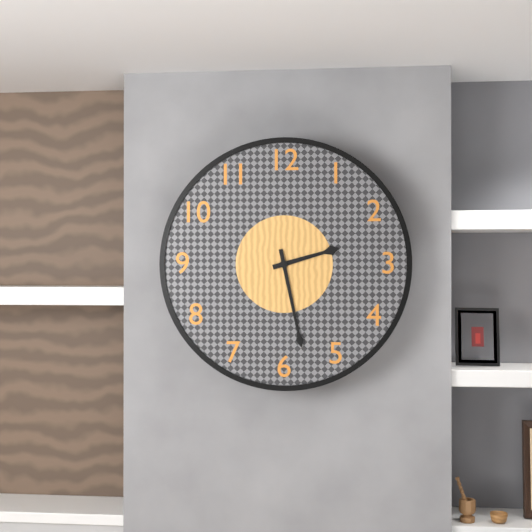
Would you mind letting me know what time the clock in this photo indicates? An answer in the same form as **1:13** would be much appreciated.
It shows **2:28**
